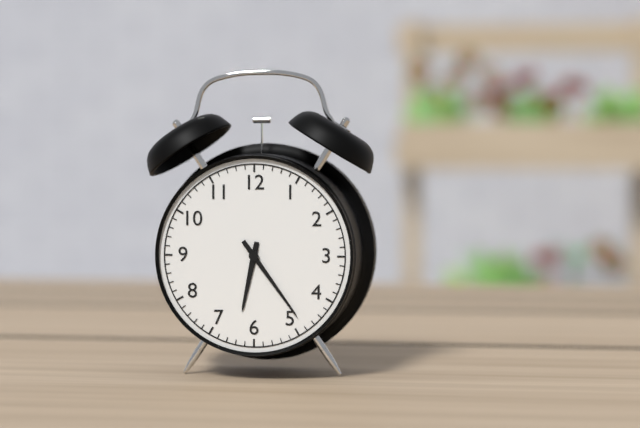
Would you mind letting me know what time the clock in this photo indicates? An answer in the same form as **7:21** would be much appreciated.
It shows **6:24**
